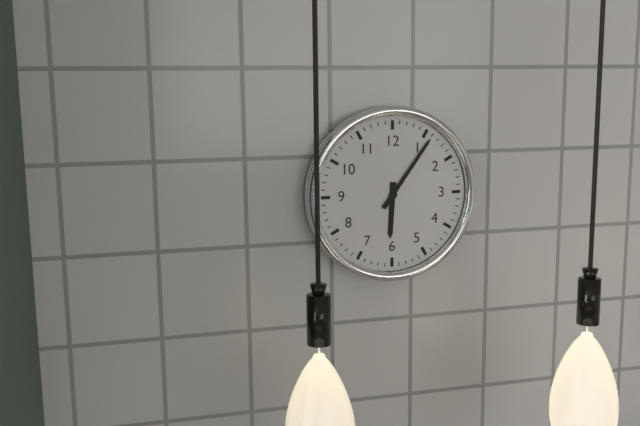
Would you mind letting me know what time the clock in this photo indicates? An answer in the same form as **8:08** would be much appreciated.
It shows **6:06**
